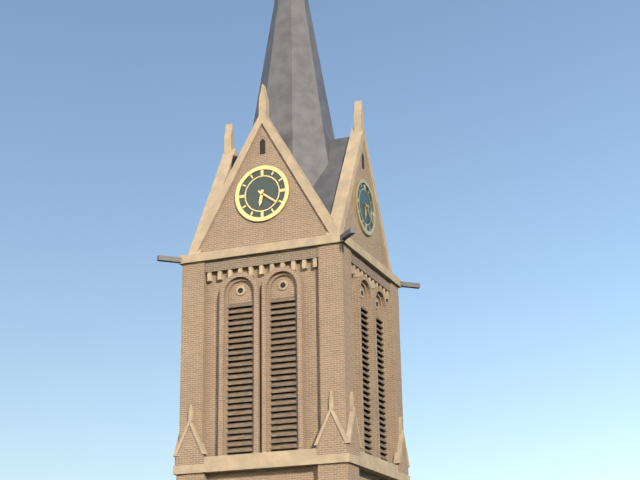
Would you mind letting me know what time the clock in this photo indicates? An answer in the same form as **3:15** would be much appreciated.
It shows **6:21**
